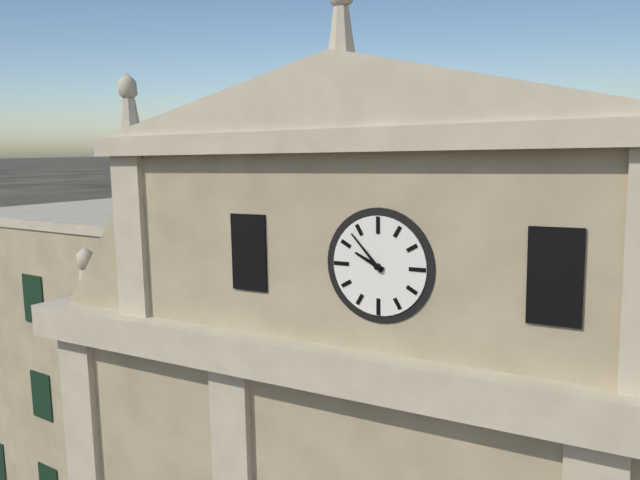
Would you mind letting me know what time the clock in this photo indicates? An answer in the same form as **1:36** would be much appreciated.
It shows **9:53**
